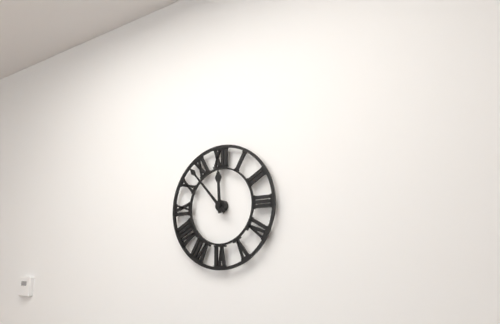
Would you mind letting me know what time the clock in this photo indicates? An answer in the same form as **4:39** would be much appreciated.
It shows **11:53**
